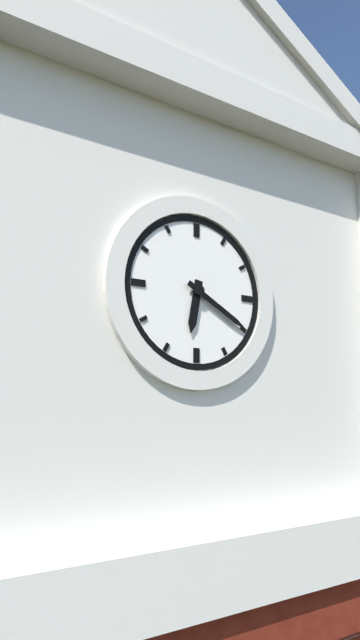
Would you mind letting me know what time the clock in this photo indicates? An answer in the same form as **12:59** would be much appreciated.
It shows **6:20**
